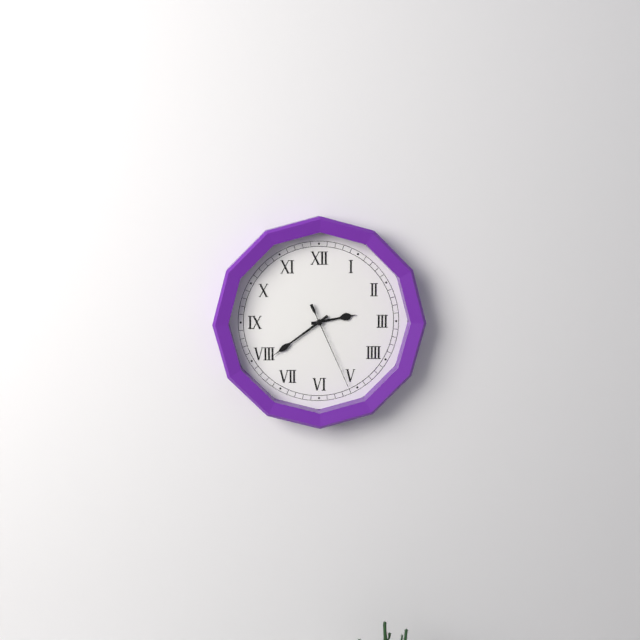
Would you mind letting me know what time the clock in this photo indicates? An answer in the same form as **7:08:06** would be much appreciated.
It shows **2:39:26**
